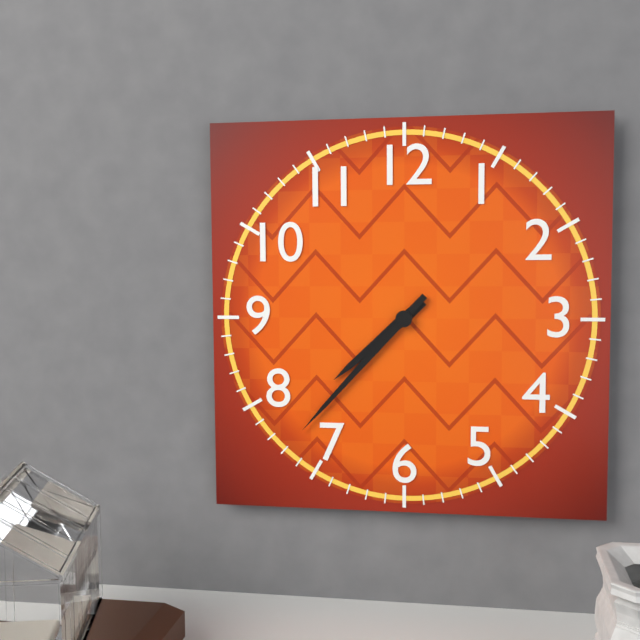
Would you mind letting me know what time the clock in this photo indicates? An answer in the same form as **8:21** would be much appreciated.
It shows **7:37**
